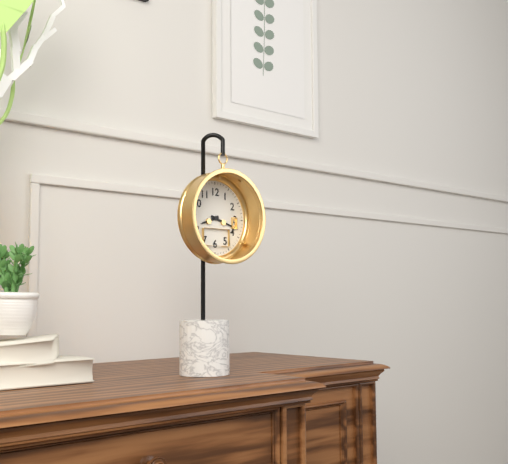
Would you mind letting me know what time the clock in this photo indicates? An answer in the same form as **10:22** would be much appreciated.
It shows **8:18**
